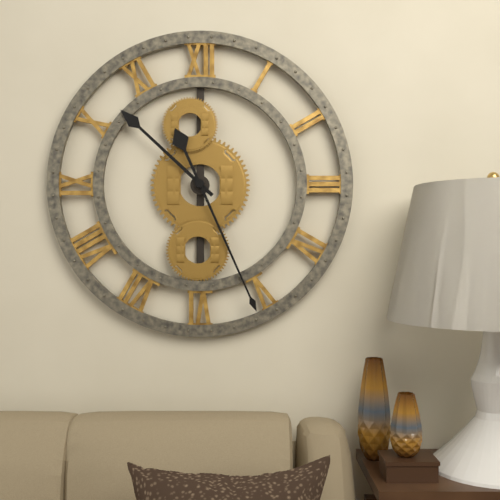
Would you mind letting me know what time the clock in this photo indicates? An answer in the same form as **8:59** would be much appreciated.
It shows **10:26**
